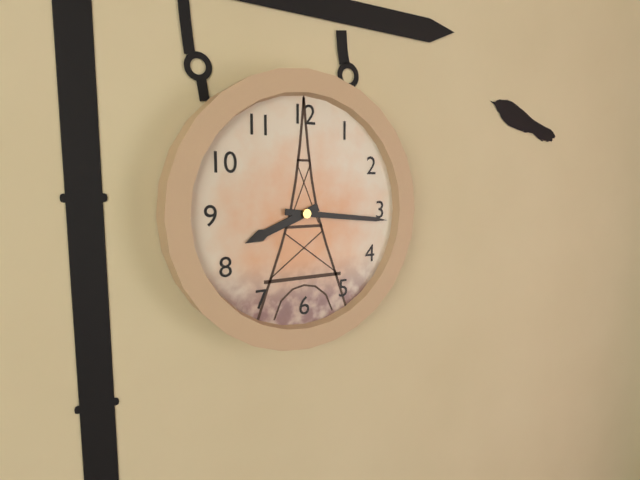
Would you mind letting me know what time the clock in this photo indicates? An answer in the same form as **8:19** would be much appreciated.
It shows **8:16**
